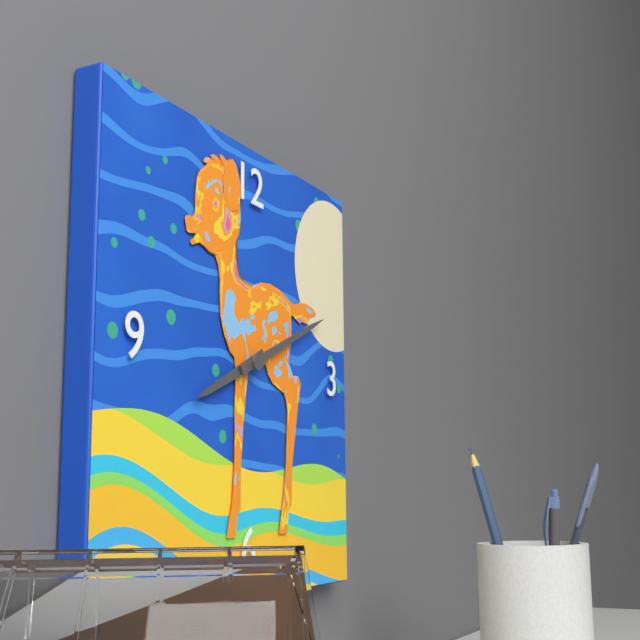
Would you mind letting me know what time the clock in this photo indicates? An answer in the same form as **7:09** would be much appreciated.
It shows **8:11**
